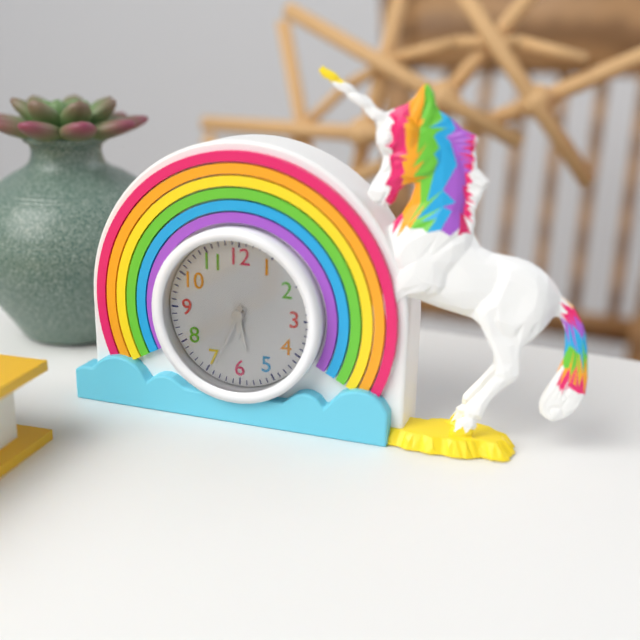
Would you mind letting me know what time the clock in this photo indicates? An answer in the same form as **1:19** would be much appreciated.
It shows **5:34**
